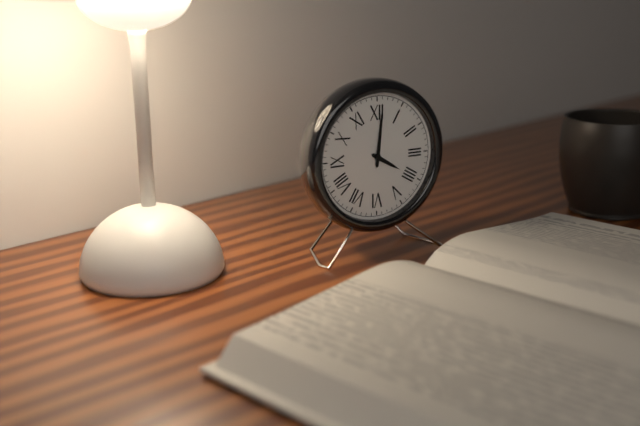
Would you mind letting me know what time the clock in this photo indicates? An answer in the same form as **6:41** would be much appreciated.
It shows **4:01**
